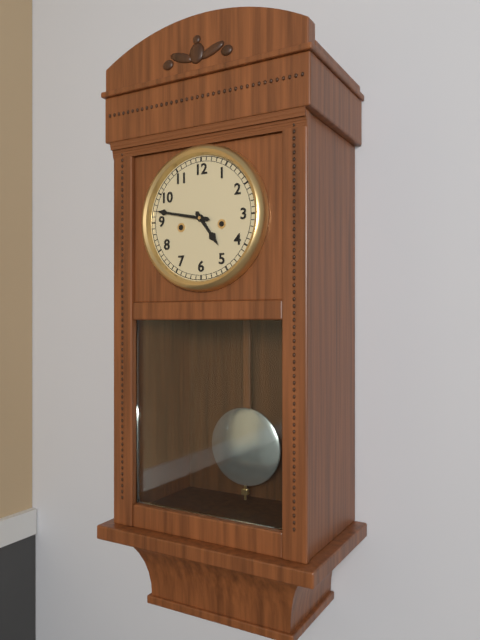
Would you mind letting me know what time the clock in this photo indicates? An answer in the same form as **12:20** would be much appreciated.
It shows **4:47**
